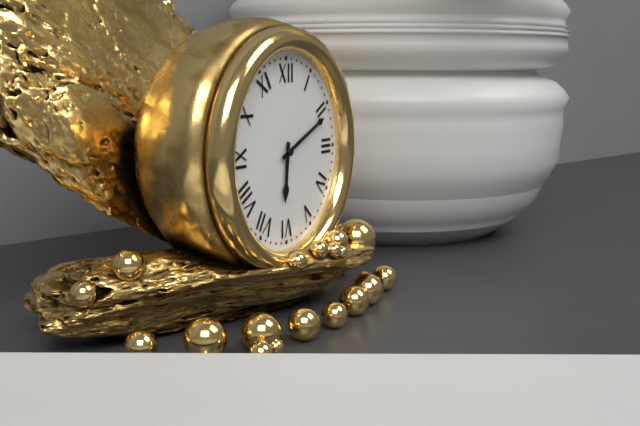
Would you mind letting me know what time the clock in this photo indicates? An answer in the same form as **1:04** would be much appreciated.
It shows **6:11**
